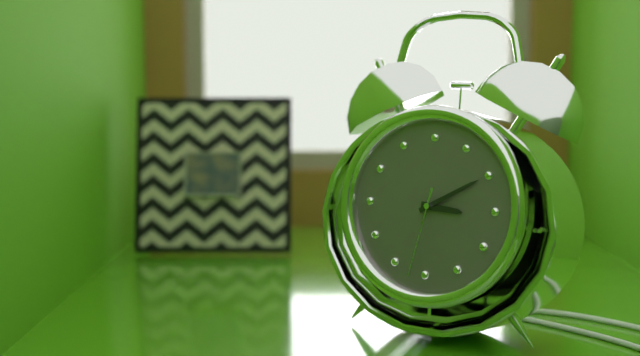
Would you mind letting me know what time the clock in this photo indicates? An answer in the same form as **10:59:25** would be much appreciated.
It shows **3:10:32**
